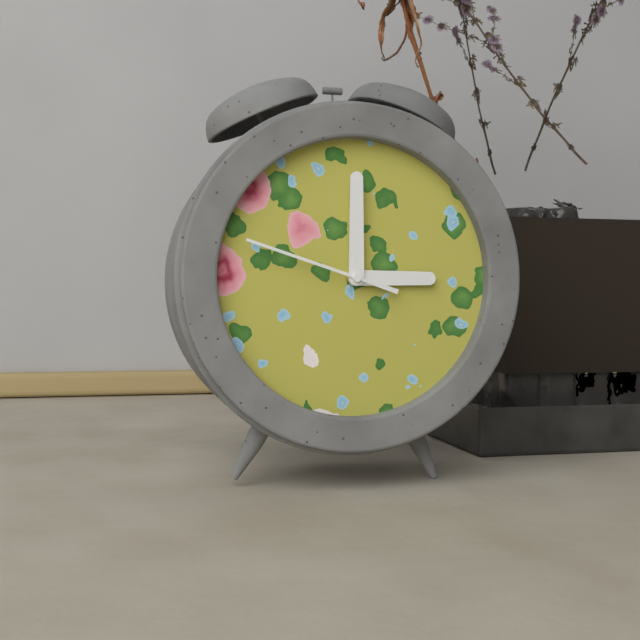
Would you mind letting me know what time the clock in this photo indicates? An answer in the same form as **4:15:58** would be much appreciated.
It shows **3:00:48**
